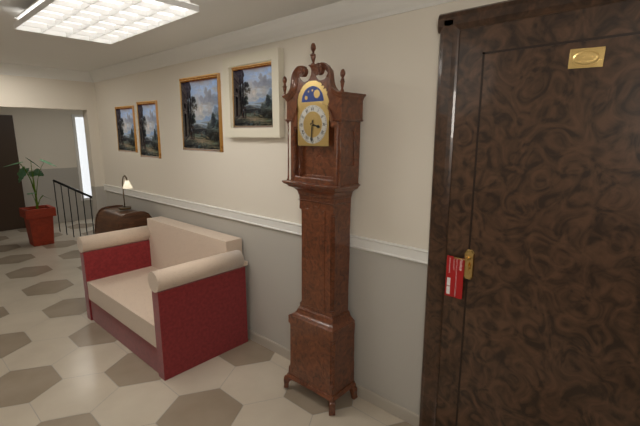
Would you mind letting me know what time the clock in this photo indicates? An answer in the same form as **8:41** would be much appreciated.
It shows **3:31**
